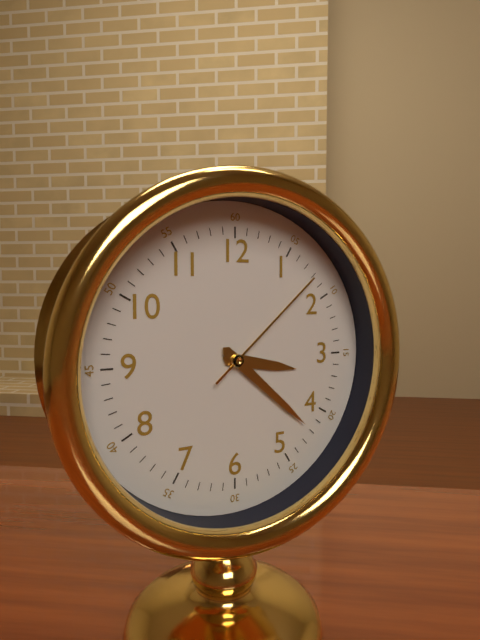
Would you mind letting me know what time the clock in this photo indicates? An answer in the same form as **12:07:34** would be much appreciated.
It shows **3:22:08**
